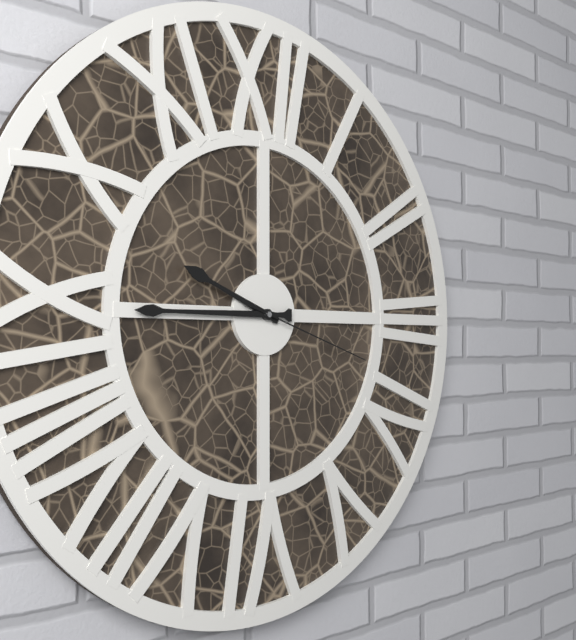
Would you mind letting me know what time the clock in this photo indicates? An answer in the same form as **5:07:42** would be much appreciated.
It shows **9:45:18**
